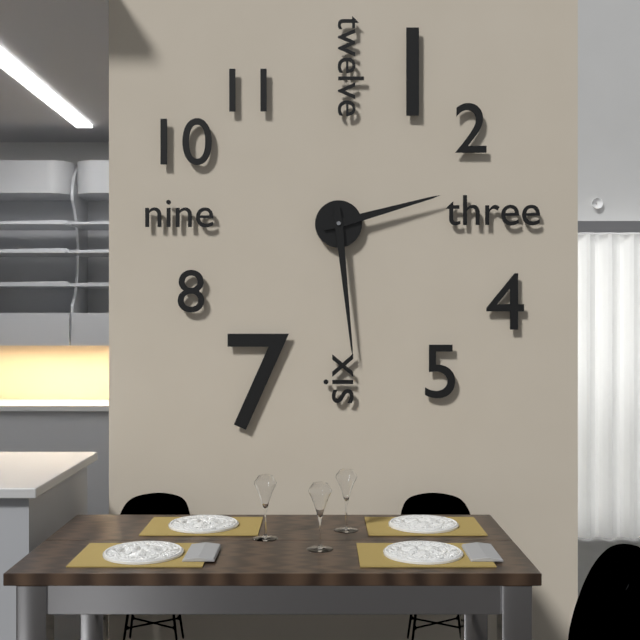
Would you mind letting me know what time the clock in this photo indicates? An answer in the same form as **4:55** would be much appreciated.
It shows **2:29**
